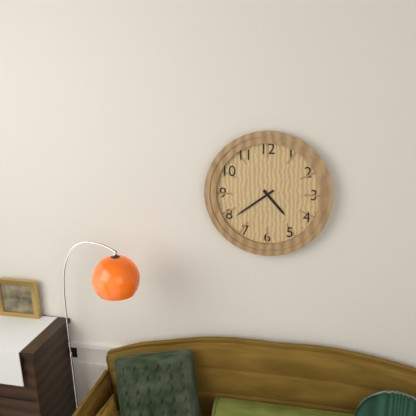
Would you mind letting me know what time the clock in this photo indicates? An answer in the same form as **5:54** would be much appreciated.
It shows **4:39**
